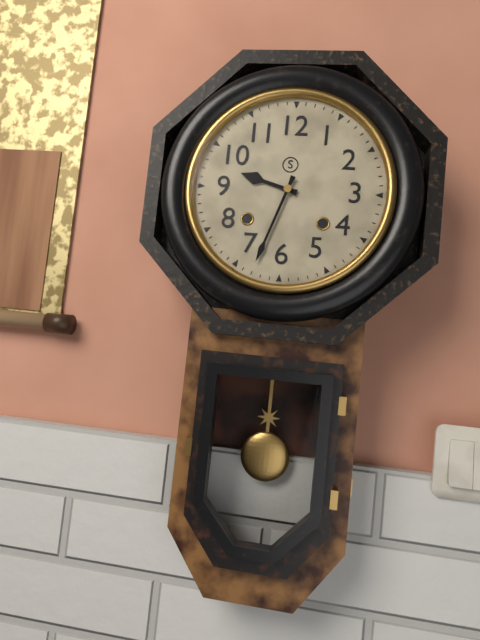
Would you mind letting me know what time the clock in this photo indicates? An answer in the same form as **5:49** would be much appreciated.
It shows **9:33**
